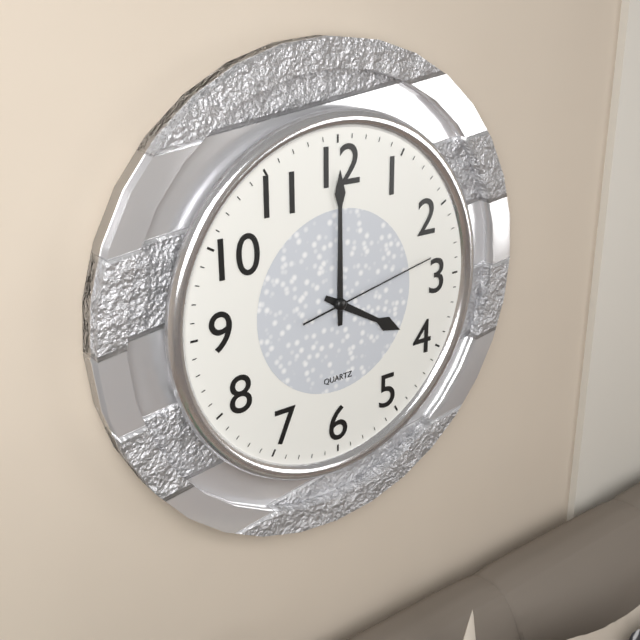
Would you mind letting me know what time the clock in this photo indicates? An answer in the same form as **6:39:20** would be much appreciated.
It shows **4:00:13**
